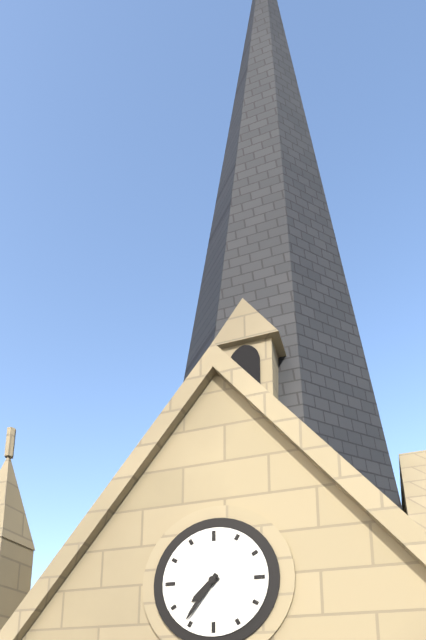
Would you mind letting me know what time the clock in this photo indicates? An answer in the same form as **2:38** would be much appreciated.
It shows **7:36**
